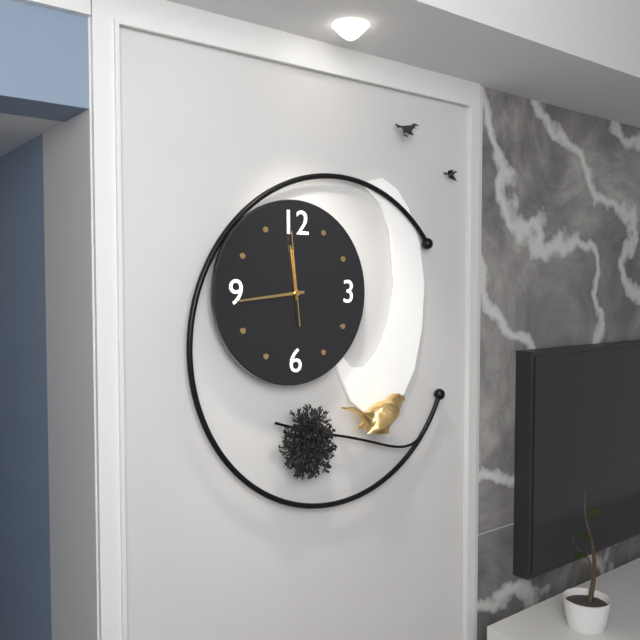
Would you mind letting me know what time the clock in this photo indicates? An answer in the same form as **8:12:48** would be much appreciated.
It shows **11:44:59**
